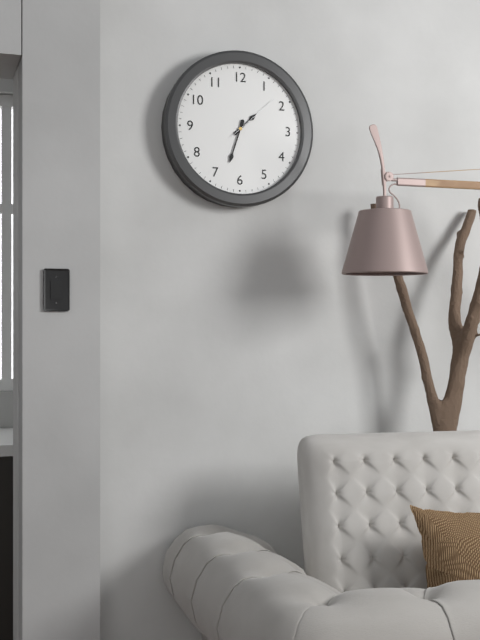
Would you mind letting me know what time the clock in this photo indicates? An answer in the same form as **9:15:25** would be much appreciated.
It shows **1:33:08**
